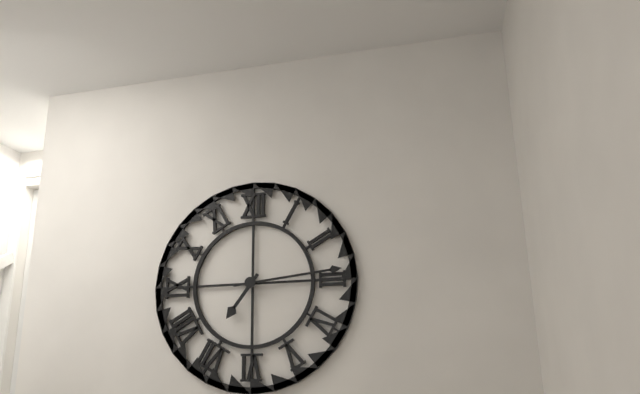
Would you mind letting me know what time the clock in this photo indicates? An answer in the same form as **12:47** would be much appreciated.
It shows **7:14**
